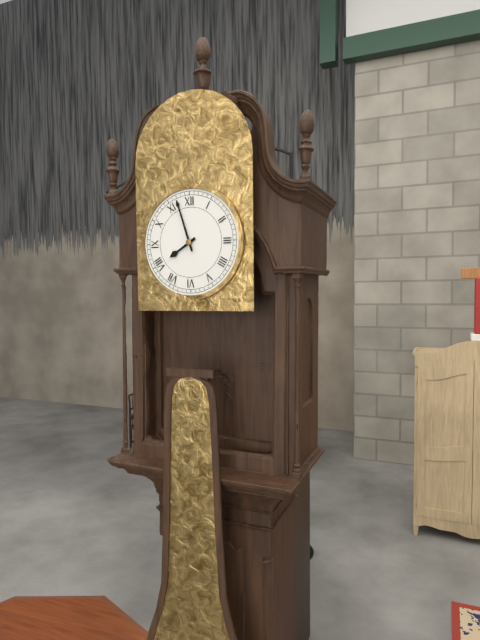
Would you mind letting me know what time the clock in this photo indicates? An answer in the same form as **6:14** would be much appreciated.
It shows **7:57**
